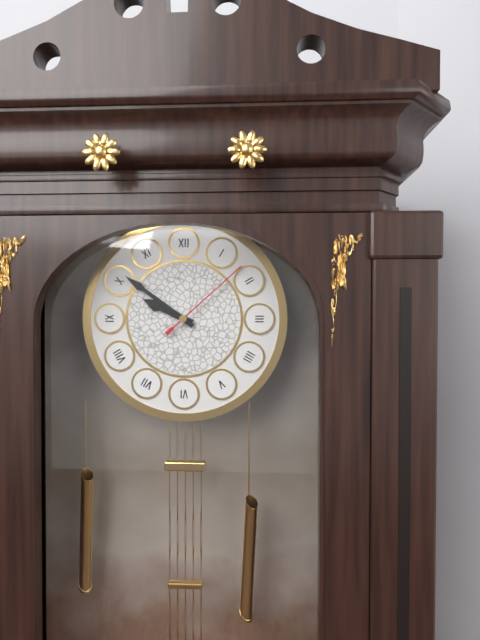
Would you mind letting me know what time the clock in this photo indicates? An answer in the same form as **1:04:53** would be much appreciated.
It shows **9:51:08**
